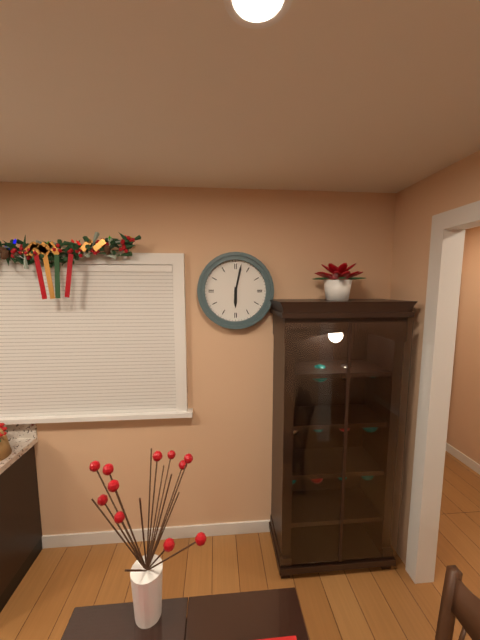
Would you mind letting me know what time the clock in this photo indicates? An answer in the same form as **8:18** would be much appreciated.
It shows **6:02**
